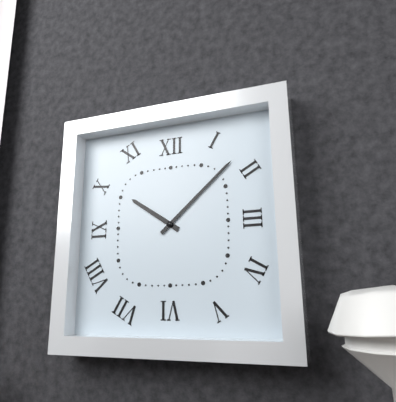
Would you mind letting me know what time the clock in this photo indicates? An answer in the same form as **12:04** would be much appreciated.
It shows **10:08**
